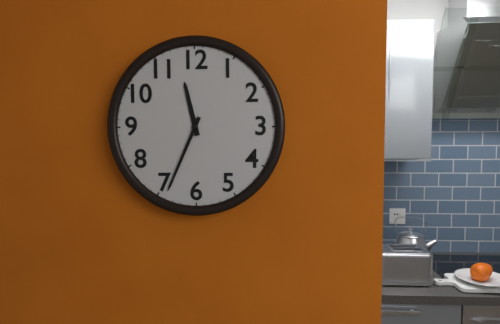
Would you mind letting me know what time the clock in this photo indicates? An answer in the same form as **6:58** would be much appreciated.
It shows **11:34**
